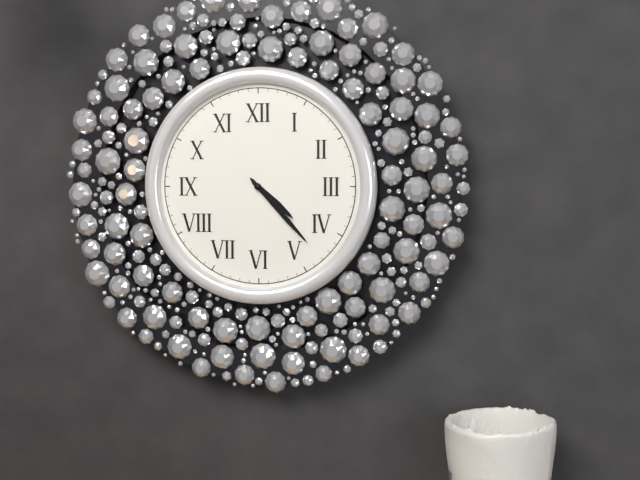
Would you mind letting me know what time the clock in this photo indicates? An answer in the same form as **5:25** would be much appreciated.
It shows **4:23**
